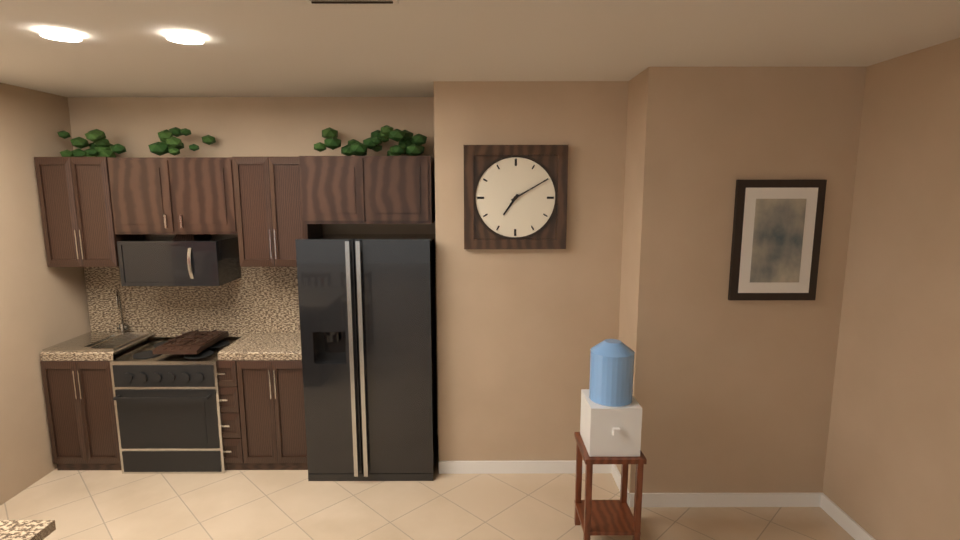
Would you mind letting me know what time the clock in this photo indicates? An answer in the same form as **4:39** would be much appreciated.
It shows **7:10**
